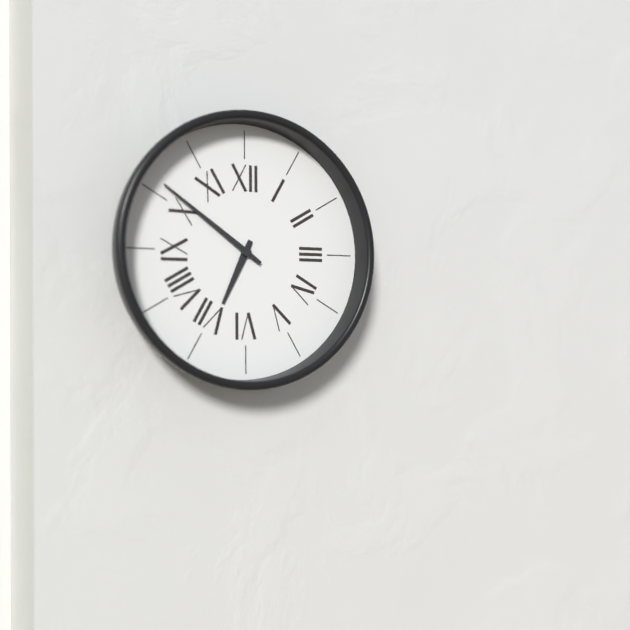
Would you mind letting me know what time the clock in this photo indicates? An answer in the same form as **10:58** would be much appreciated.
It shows **6:51**
